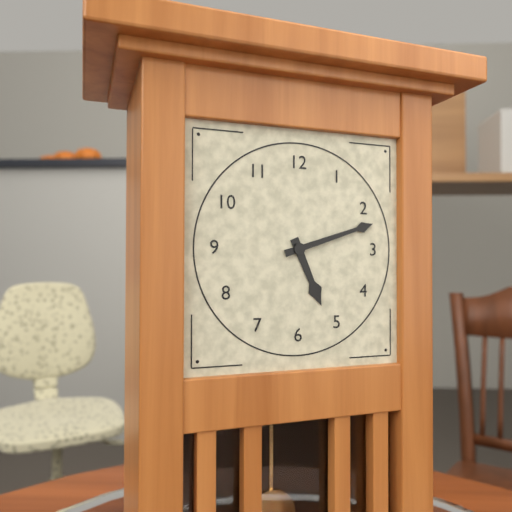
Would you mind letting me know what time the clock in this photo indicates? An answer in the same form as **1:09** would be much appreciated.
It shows **5:12**
